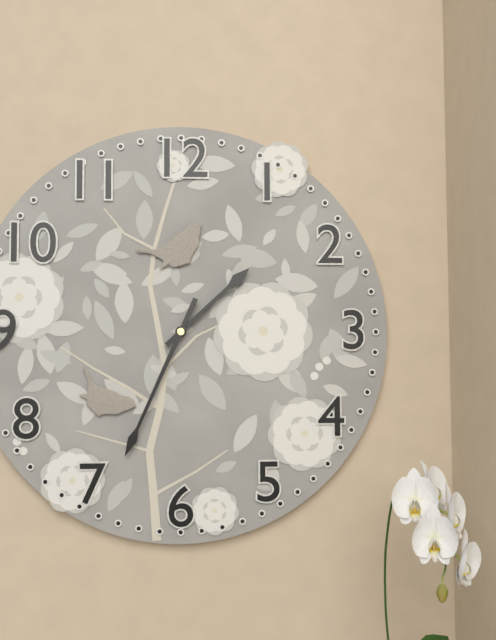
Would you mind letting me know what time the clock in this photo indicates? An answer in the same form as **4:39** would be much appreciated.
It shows **1:34**
